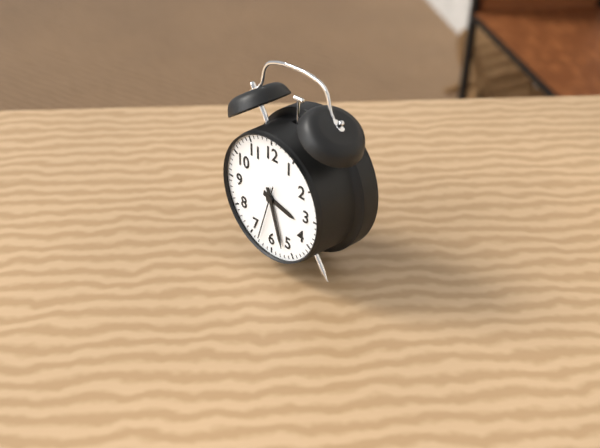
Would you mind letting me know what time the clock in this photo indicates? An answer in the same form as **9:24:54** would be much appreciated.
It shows **3:27:33**
